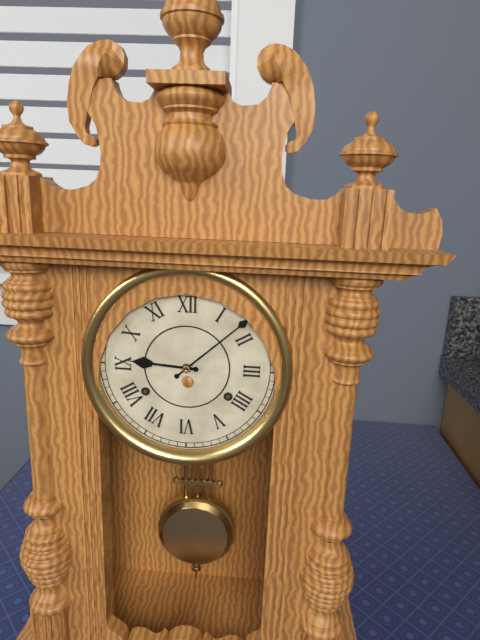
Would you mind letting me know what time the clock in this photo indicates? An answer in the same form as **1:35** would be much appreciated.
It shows **9:08**
